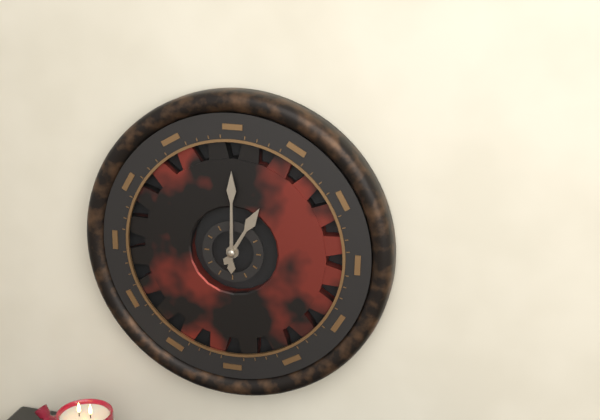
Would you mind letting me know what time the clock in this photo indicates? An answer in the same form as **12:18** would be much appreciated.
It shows **1:00**
